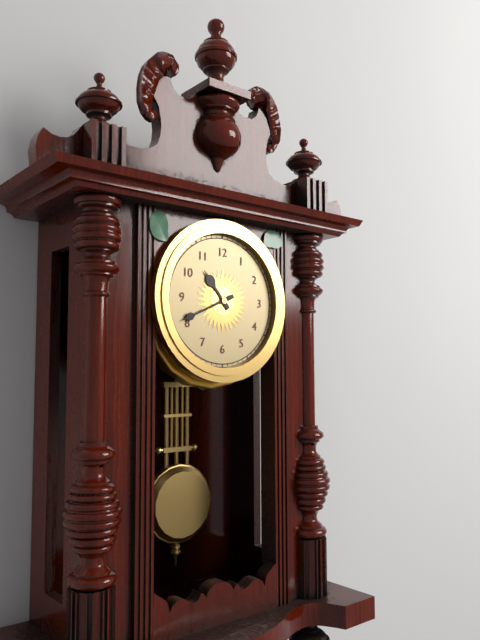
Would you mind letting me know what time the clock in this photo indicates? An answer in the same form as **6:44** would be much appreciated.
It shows **10:41**
